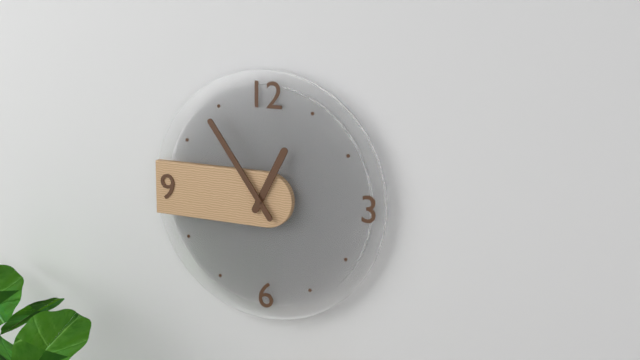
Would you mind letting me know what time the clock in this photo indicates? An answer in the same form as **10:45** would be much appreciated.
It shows **12:54**
